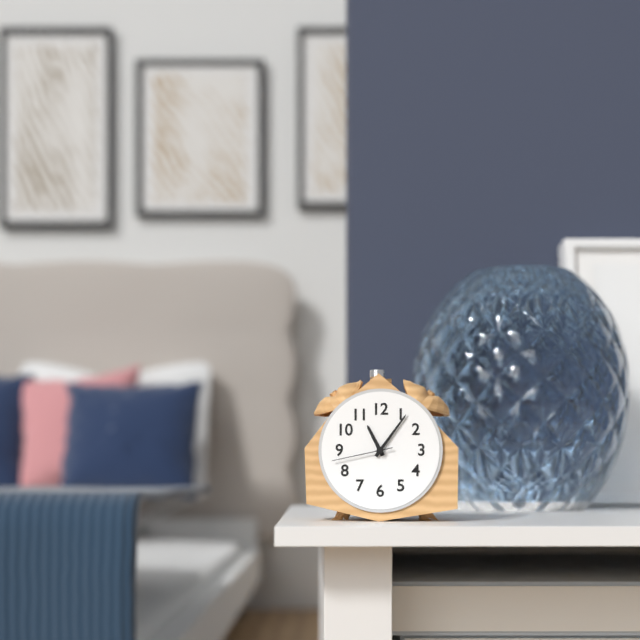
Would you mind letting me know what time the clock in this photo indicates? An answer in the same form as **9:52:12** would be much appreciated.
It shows **11:06:43**
